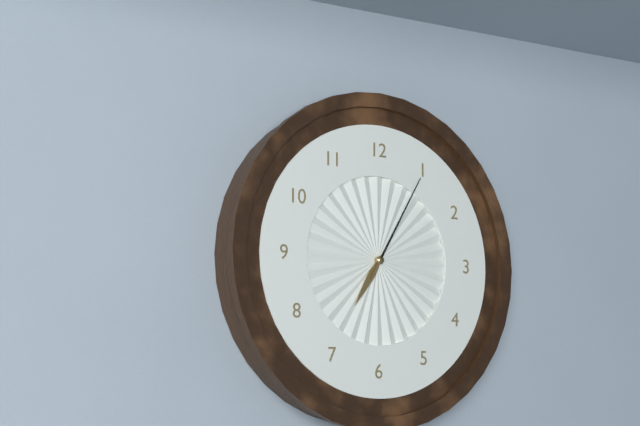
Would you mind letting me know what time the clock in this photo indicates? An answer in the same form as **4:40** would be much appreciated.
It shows **7:05**
